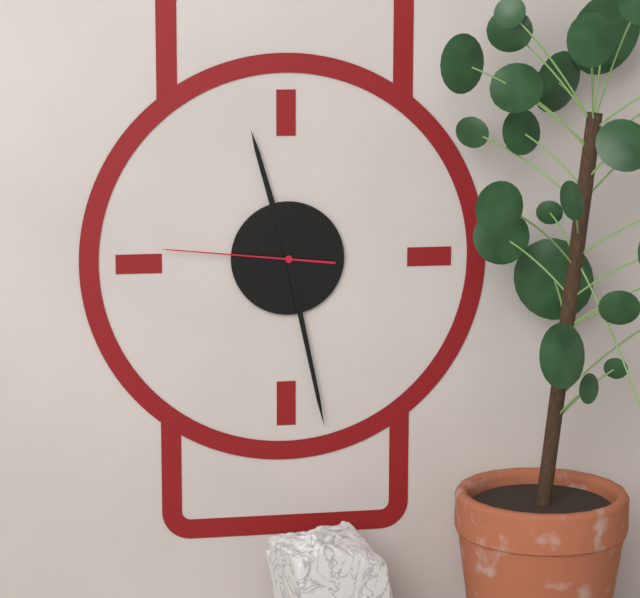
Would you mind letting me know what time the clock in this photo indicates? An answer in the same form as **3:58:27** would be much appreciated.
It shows **11:28:46**
